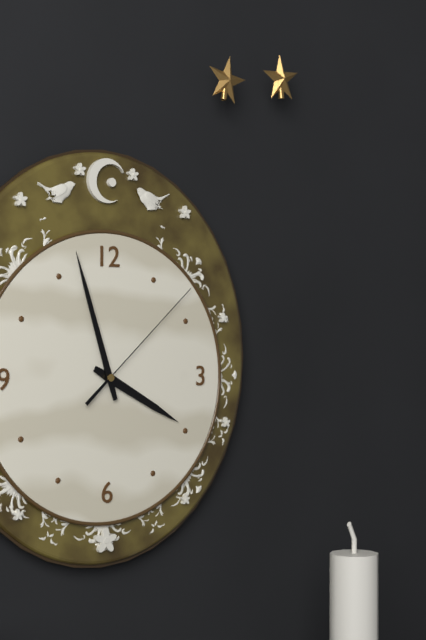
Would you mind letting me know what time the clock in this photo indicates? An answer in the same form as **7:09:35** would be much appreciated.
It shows **3:57:08**
